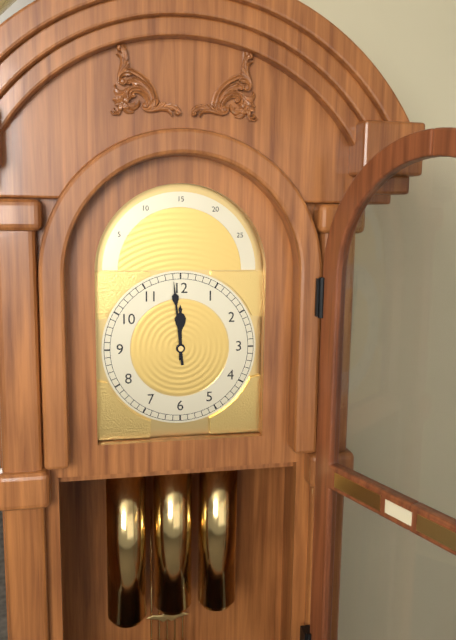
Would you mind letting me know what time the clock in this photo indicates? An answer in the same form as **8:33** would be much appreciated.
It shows **11:59**
